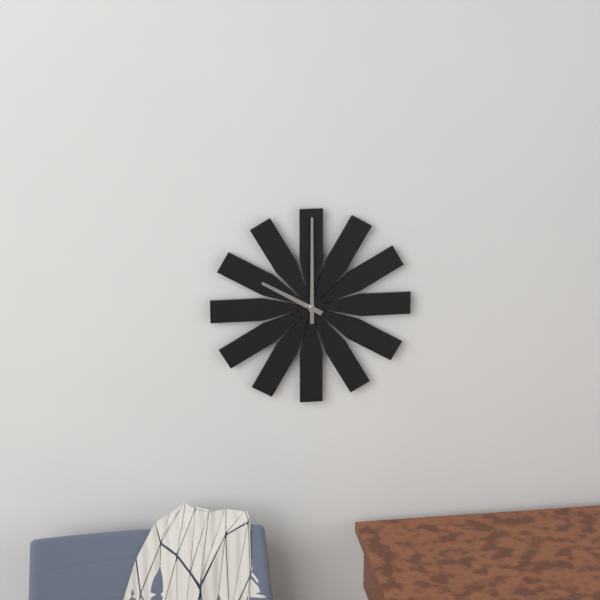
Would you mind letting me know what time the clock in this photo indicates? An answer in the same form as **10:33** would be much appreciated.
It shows **10:00**
